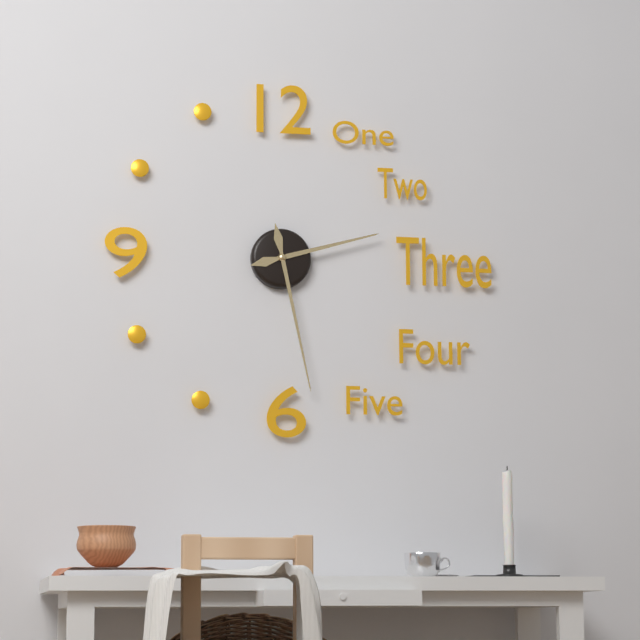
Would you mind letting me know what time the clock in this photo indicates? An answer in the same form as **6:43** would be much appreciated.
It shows **2:28**
